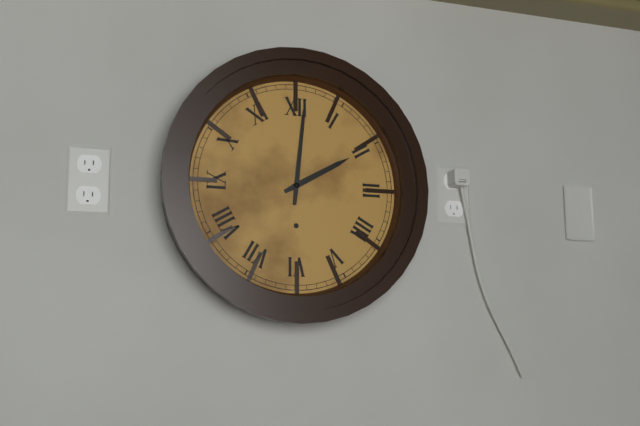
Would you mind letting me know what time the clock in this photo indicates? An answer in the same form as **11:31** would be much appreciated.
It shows **2:01**
